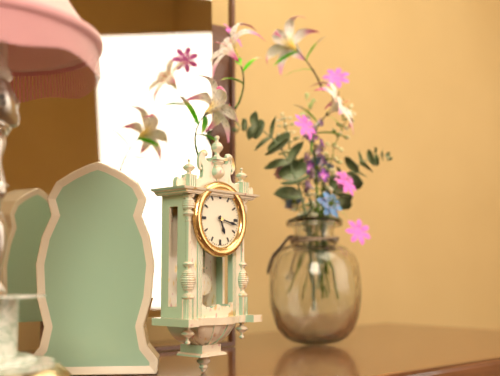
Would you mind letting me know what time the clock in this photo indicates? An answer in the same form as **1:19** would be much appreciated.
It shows **5:17**
